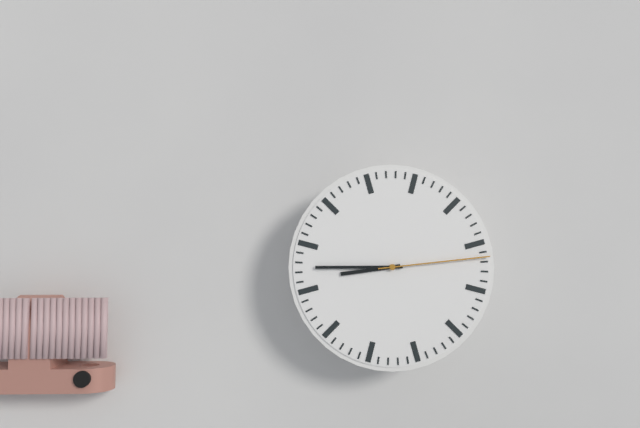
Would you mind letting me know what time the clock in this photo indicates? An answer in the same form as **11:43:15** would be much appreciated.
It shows **8:45:14**
